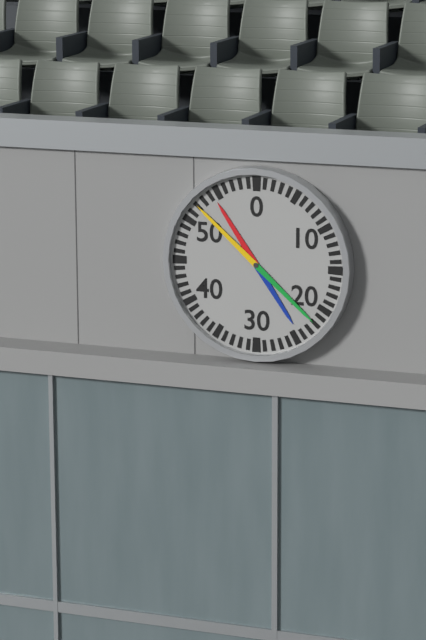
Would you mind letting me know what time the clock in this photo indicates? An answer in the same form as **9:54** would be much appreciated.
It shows **10:52**
